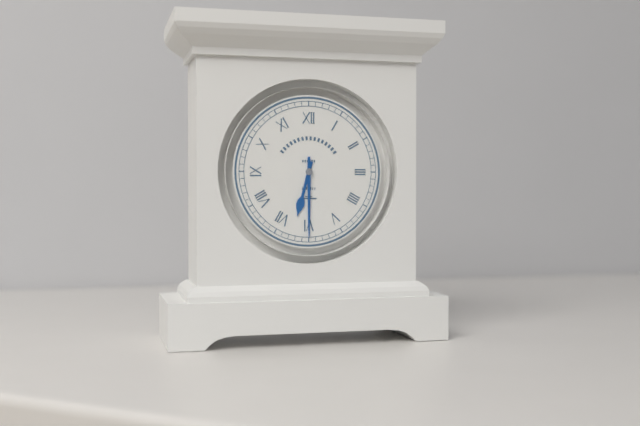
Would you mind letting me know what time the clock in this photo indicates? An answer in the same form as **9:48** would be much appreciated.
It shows **6:30**
